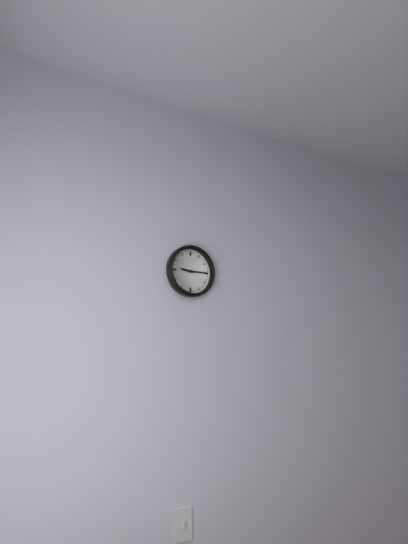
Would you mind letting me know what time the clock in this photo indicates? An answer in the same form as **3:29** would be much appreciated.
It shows **9:15**
